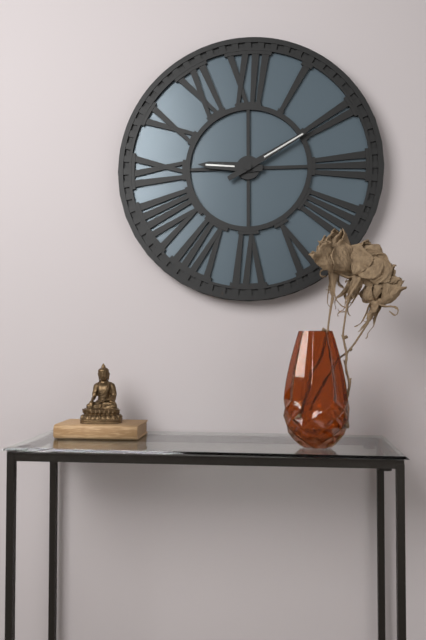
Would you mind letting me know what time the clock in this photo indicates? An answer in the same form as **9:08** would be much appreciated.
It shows **9:10**
